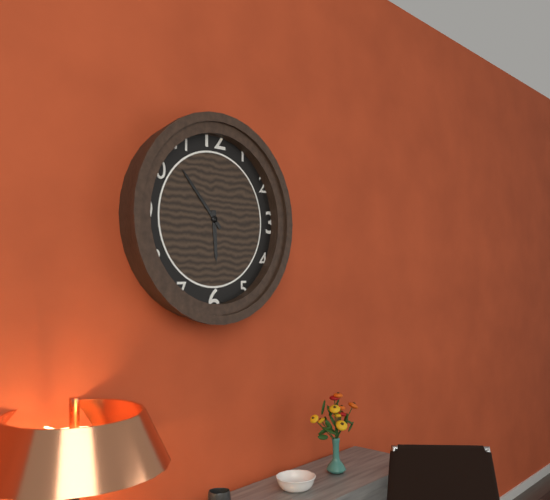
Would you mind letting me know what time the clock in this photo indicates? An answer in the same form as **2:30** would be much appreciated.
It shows **5:53**
